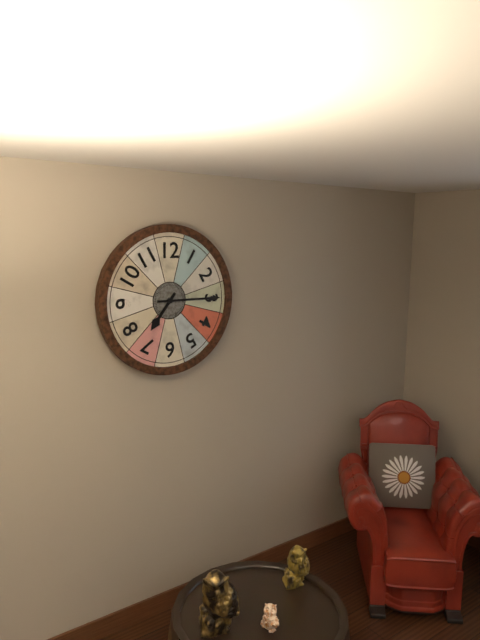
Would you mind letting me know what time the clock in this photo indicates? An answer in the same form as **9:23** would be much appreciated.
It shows **7:15**
